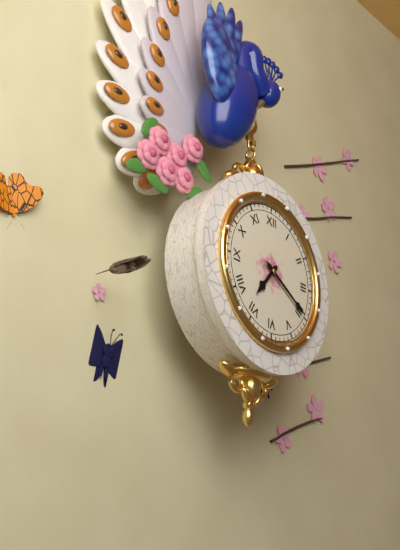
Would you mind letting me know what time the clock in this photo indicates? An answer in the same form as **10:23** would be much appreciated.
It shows **7:20**
